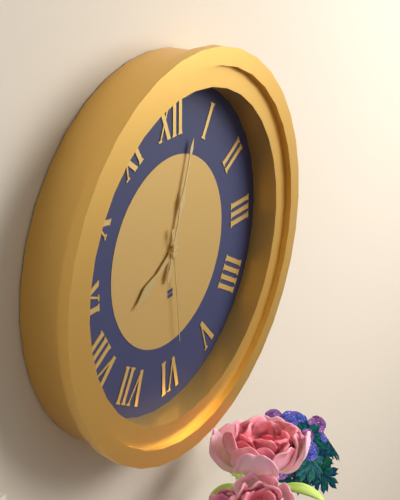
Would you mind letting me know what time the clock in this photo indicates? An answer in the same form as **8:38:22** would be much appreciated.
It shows **8:03:29**
